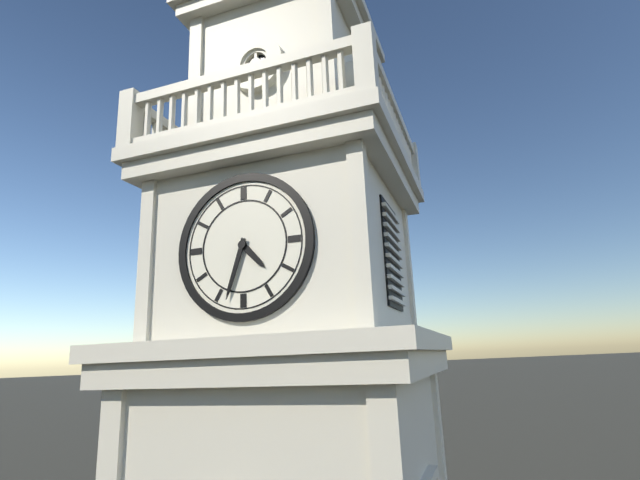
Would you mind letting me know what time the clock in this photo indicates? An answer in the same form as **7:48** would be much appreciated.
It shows **4:33**
